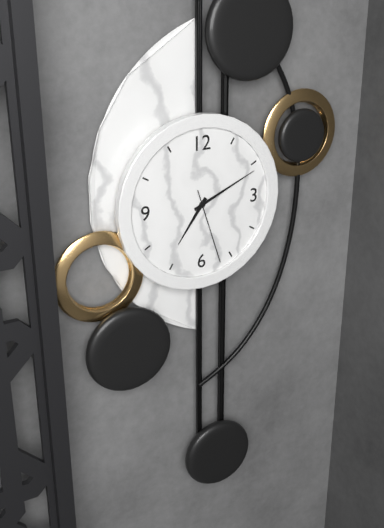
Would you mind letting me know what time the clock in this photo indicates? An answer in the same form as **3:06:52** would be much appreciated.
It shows **7:11:27**
